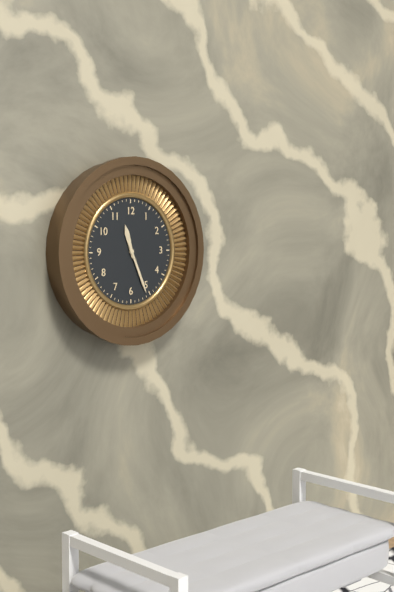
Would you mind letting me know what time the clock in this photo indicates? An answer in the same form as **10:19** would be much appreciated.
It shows **11:26**
